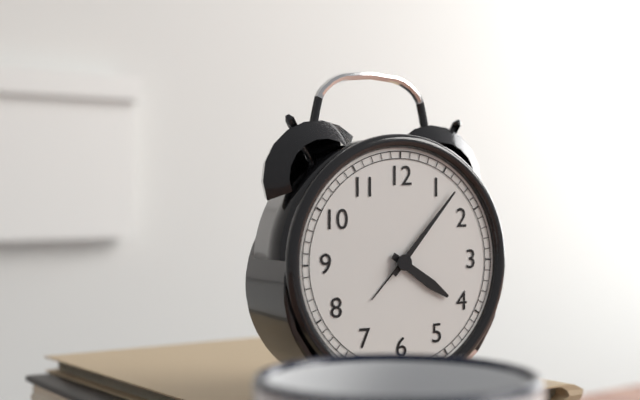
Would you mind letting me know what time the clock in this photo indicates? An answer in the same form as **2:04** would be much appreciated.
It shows **4:07**
